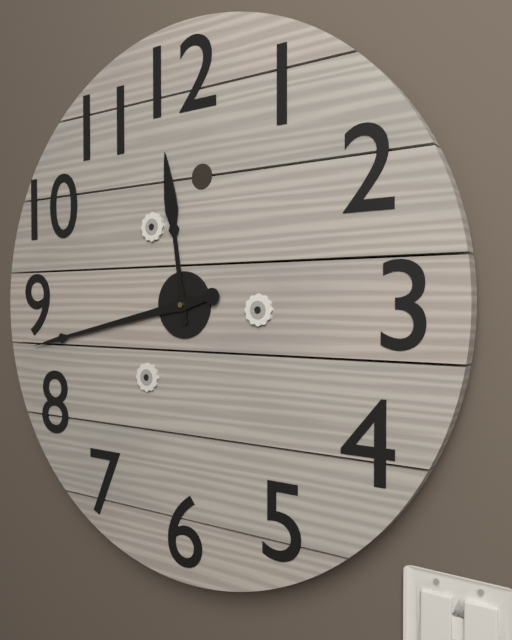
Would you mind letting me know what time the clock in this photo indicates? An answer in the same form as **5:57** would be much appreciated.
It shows **11:43**
